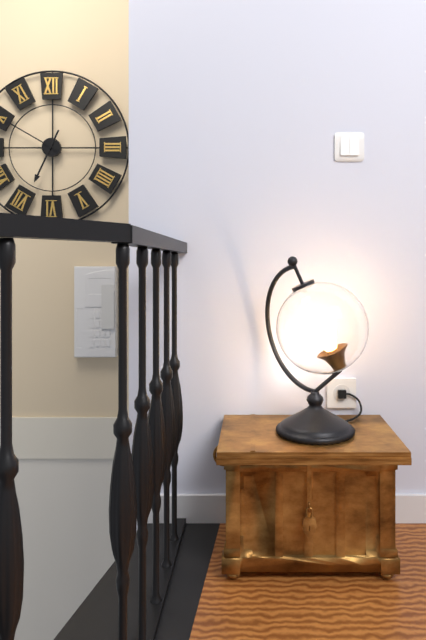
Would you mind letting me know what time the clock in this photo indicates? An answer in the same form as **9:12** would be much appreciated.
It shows **6:50**
